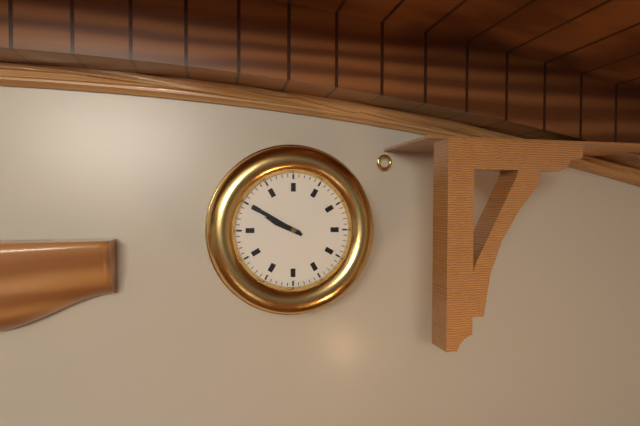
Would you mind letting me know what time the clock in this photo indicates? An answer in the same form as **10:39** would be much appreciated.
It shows **9:50**
